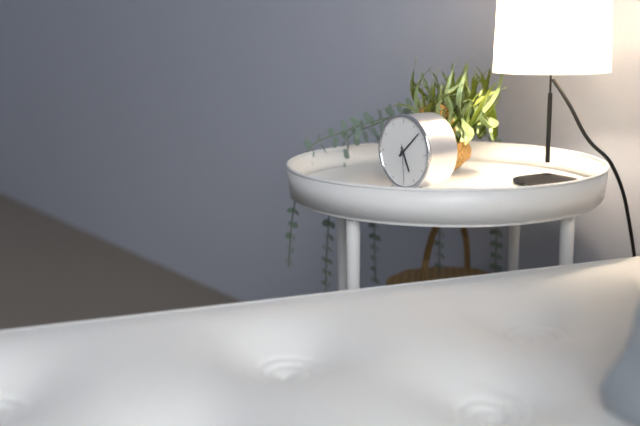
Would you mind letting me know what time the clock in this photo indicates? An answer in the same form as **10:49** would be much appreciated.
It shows **5:08**
